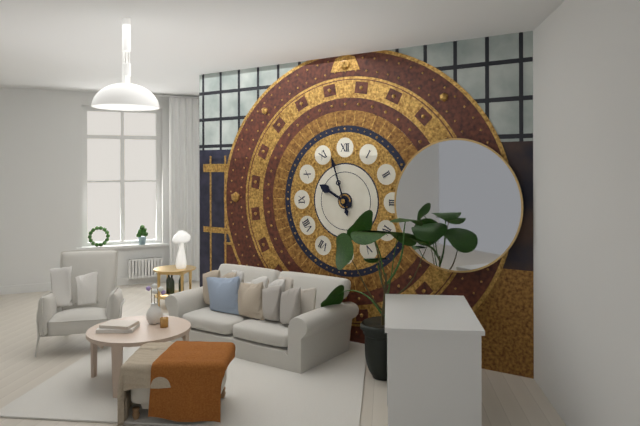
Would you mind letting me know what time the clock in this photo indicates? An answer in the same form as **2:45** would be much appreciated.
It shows **9:57**
